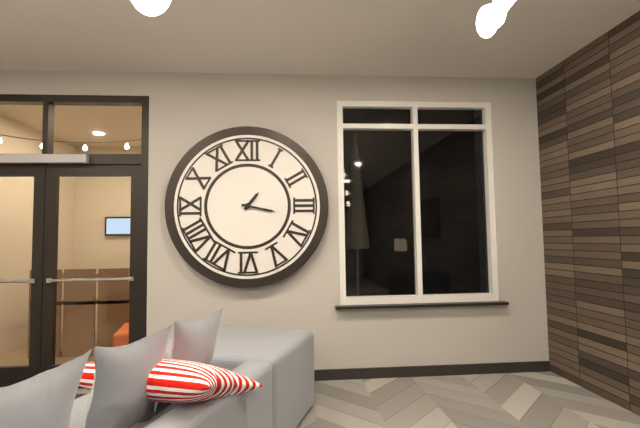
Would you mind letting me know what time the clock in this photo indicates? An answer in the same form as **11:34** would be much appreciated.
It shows **1:17**
